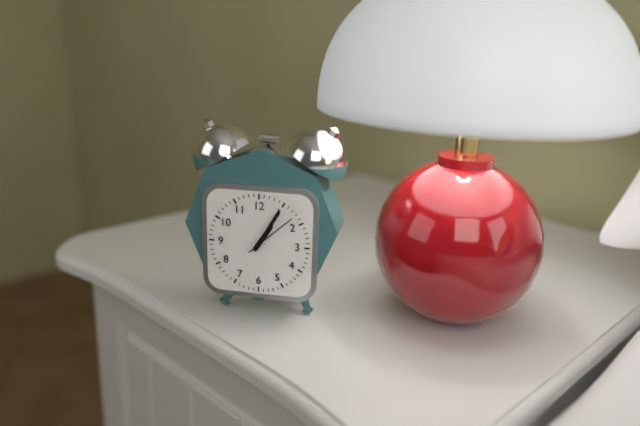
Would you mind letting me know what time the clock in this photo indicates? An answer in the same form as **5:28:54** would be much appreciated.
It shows **1:05:08**
